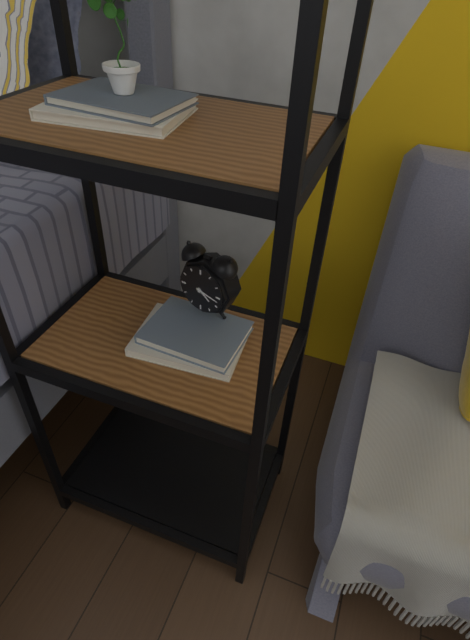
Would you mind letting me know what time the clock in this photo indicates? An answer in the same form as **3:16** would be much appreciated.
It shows **4:17**
